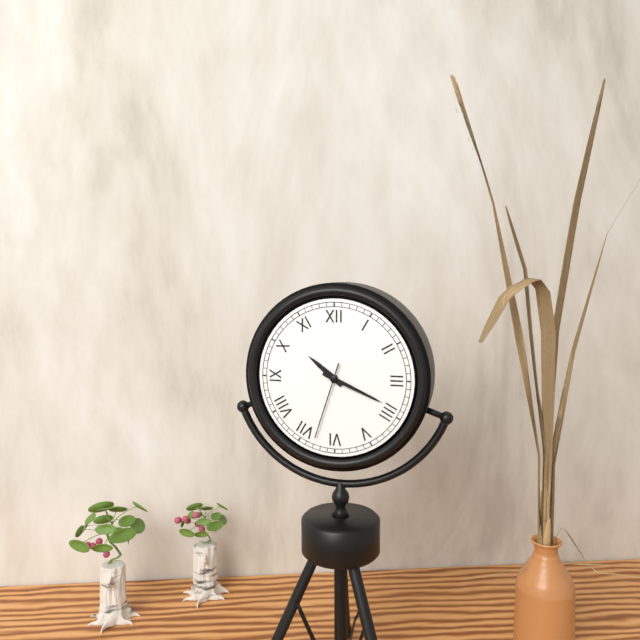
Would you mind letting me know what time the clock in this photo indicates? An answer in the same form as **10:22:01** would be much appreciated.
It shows **10:19:33**
